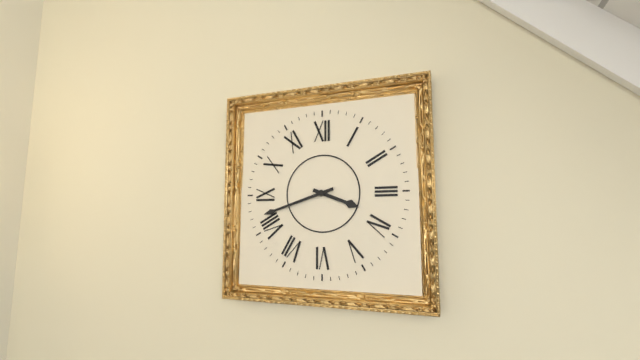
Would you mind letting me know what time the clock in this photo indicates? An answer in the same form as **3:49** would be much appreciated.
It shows **3:42**
